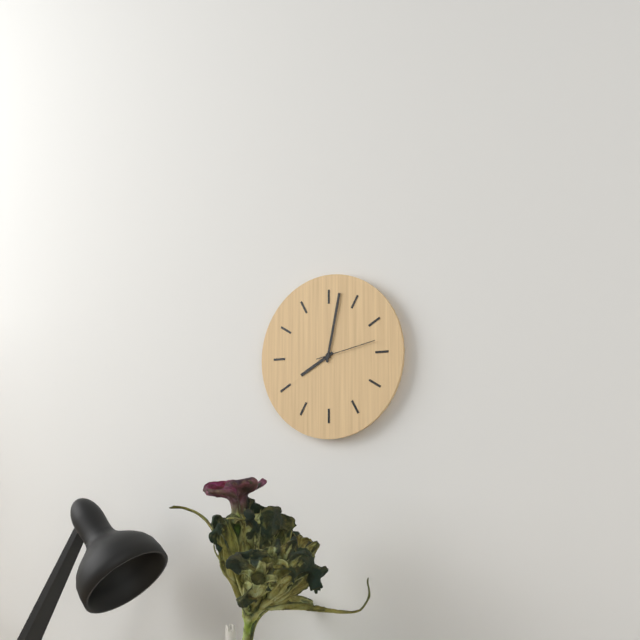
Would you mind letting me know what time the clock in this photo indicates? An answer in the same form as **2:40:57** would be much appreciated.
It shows **8:02:13**
